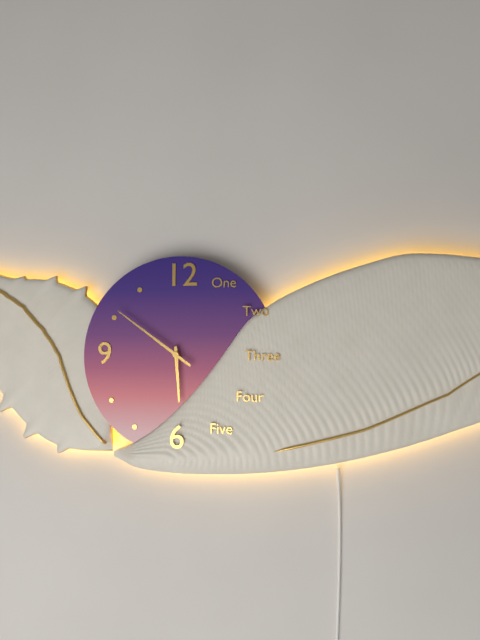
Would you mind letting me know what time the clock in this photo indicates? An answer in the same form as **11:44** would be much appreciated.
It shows **5:51**
